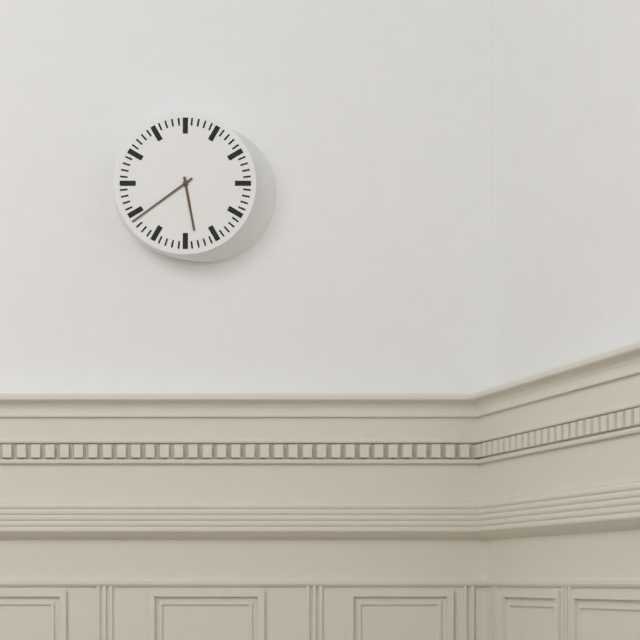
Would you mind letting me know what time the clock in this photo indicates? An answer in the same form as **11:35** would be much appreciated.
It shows **5:39**
